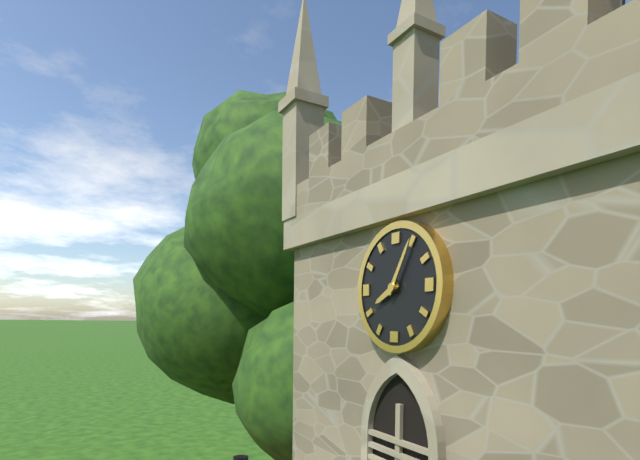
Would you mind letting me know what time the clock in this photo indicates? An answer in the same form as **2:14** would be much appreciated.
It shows **8:05**
